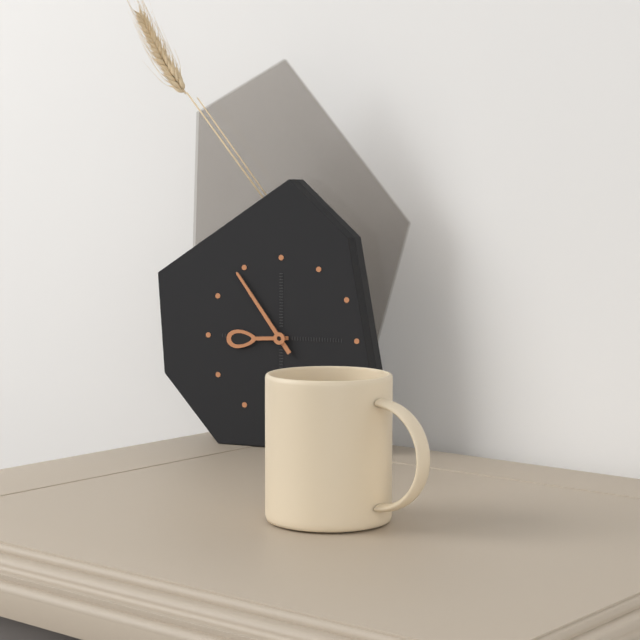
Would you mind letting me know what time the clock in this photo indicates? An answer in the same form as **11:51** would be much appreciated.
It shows **8:54**
